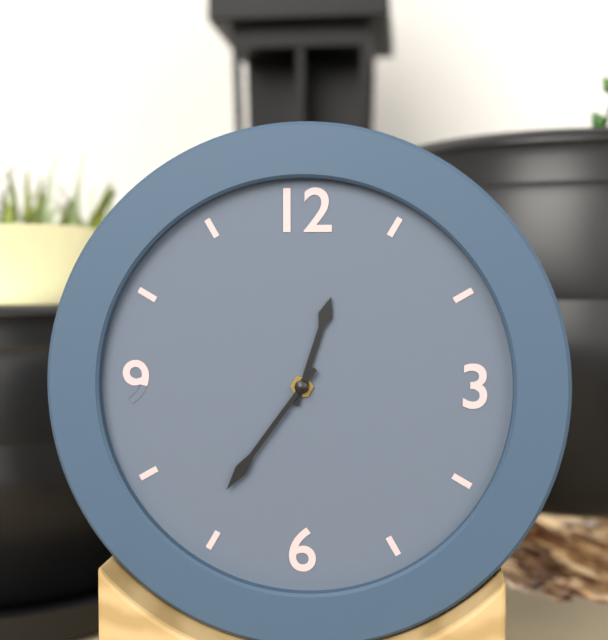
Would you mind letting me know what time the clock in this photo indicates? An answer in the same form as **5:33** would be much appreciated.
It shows **12:36**
